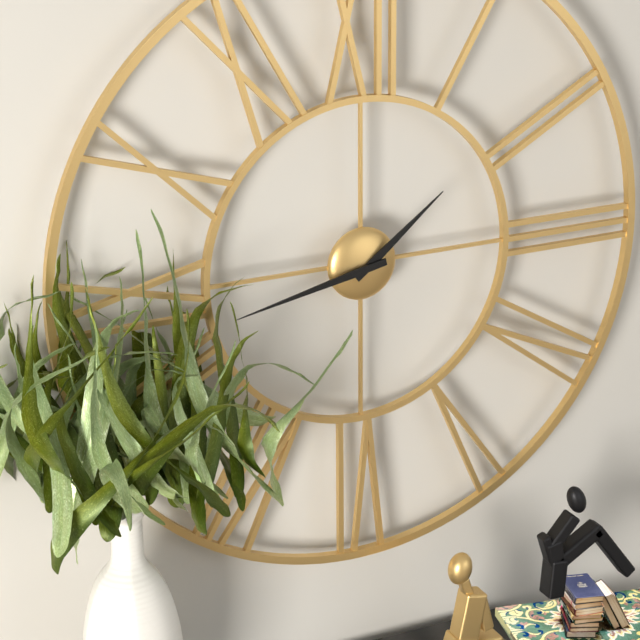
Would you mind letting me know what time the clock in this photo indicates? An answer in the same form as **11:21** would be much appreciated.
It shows **1:43**
